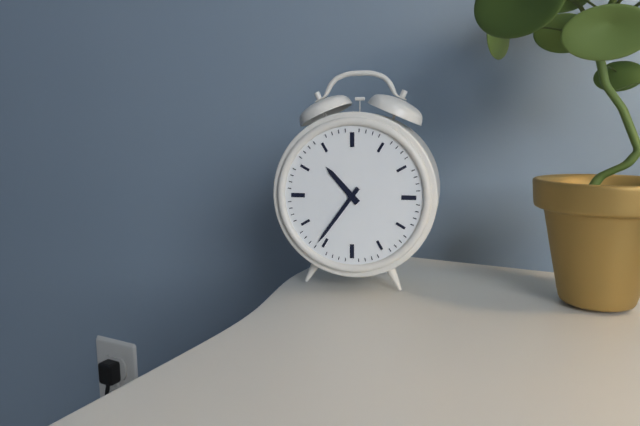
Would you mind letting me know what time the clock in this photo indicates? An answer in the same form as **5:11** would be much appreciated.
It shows **10:36**
